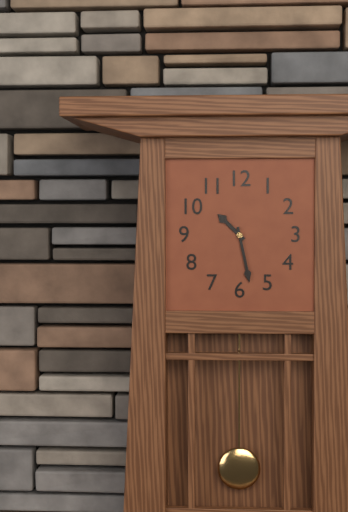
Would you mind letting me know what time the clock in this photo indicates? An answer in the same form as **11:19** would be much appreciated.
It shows **10:28**
